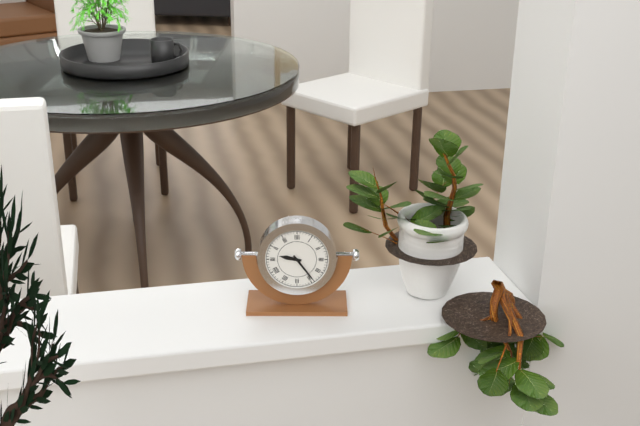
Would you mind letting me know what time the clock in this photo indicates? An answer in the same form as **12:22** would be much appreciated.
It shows **9:24**
